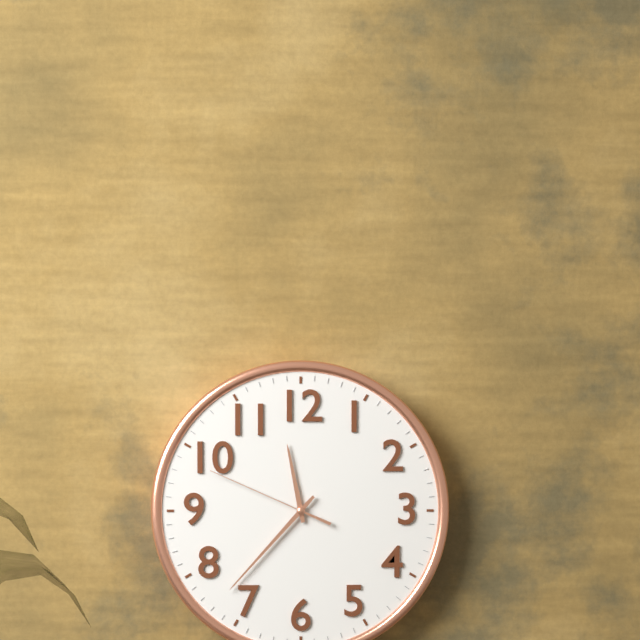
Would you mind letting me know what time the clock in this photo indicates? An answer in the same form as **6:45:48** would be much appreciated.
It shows **11:37:49**
